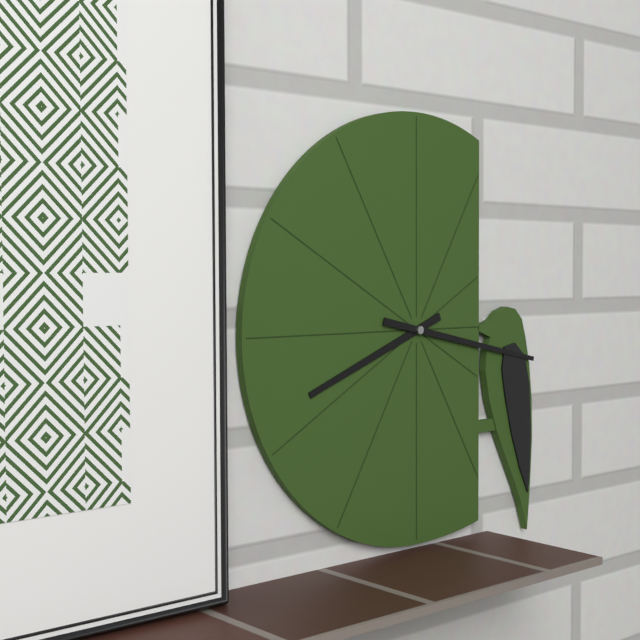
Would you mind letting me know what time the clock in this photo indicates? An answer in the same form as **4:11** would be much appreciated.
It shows **8:17**
